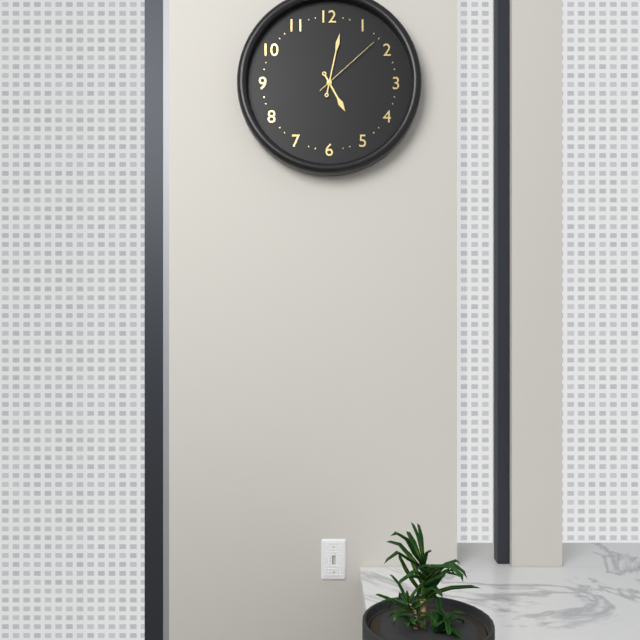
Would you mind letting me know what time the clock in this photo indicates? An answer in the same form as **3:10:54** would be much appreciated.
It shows **5:02:08**
